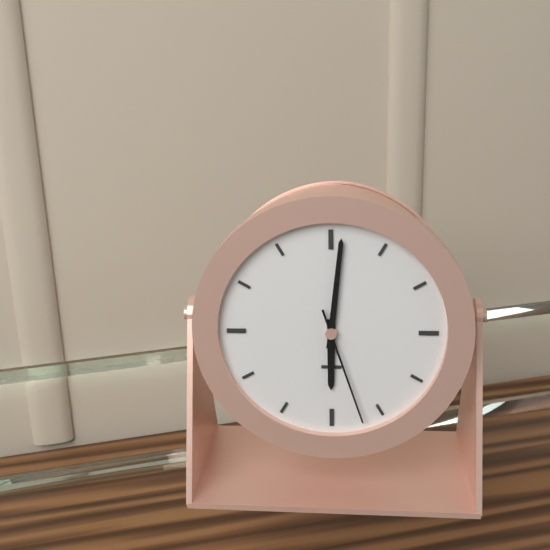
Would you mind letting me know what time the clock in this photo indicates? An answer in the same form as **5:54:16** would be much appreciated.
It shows **6:01:27**
